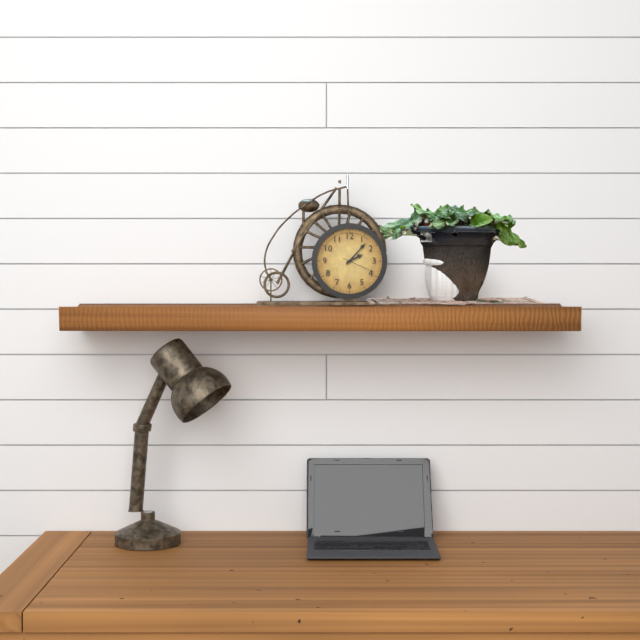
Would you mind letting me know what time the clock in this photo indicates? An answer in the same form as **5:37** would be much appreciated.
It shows **2:07**
